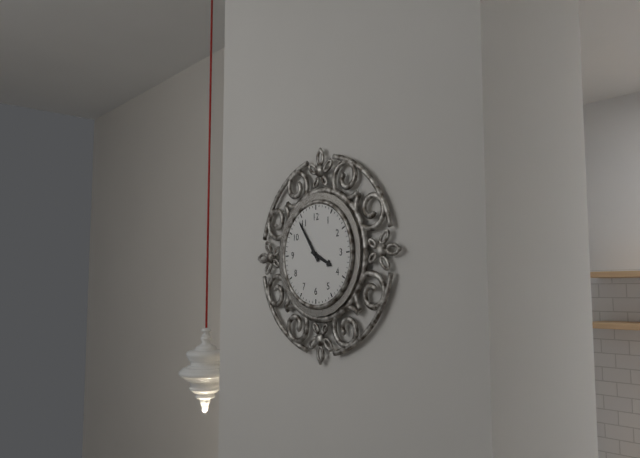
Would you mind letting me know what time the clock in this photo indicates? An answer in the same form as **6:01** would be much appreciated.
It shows **3:54**
